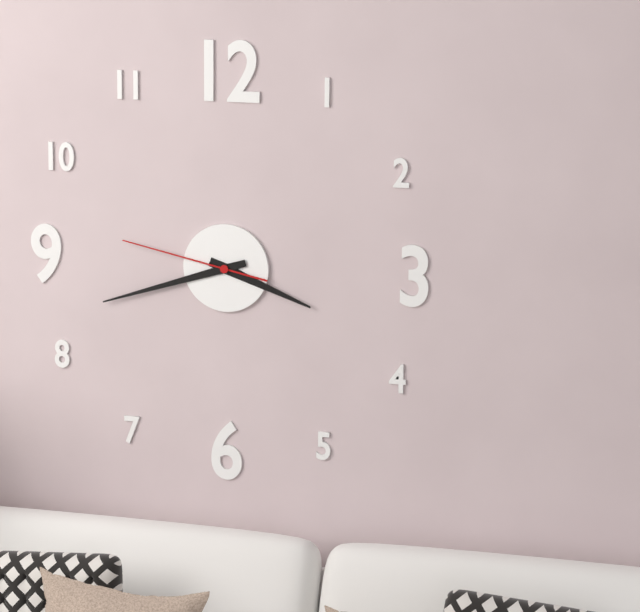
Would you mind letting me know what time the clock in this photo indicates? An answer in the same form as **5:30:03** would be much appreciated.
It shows **3:42:47**
